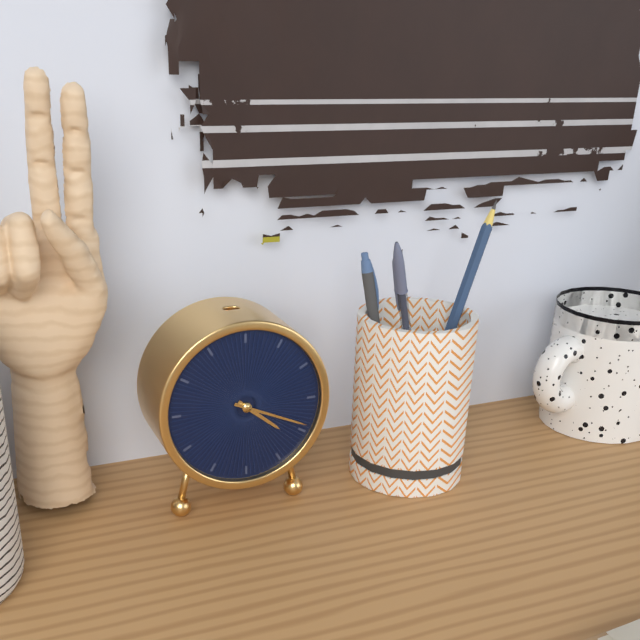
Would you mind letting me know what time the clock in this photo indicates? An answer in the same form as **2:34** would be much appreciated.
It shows **4:19**
